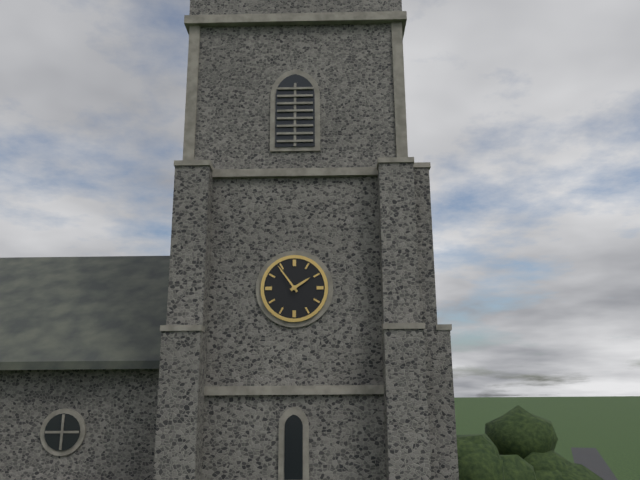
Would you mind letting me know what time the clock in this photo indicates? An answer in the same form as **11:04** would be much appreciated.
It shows **1:54**
